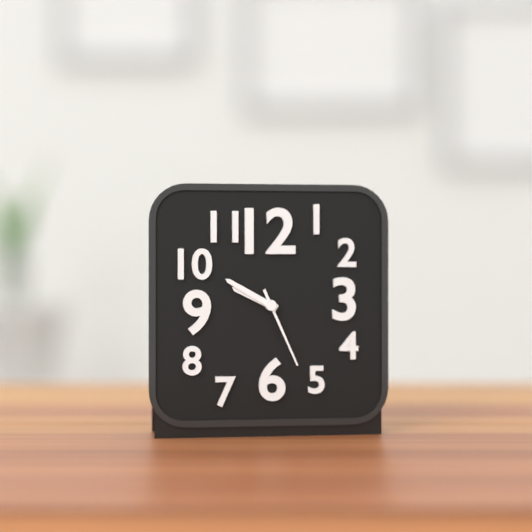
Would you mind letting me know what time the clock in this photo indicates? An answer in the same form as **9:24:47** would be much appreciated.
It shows **9:50:26**
